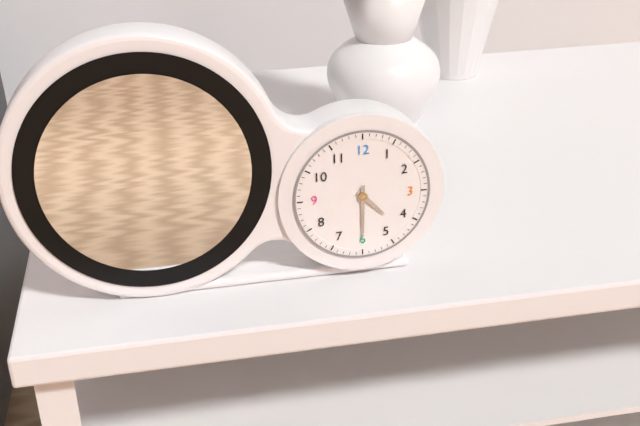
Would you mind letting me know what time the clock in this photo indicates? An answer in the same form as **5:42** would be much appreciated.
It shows **4:30**
